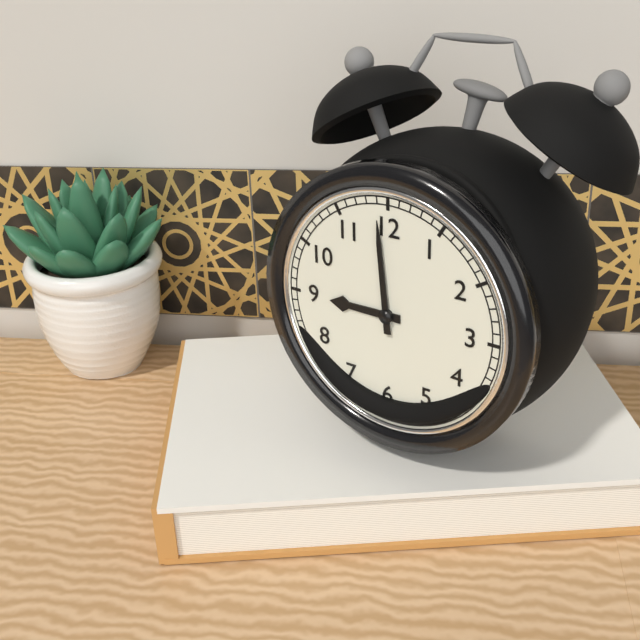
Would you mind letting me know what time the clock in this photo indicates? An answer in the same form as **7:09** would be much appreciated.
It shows **8:59**
